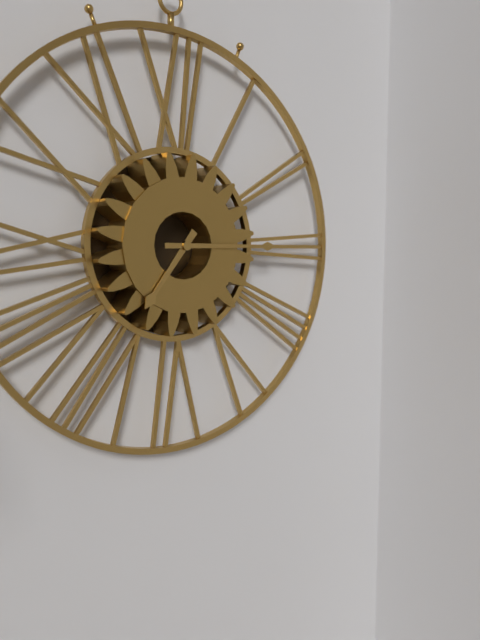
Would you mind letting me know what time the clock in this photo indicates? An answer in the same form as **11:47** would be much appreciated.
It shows **7:15**
